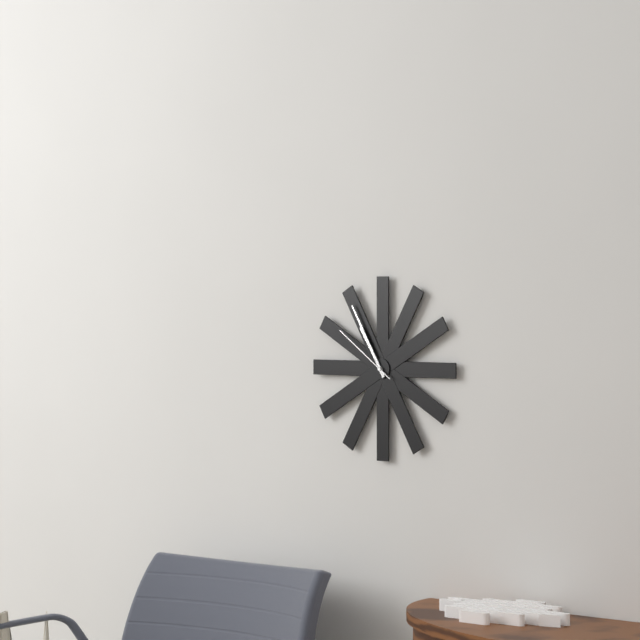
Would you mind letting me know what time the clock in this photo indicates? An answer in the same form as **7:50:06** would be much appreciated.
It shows **10:55:51**
